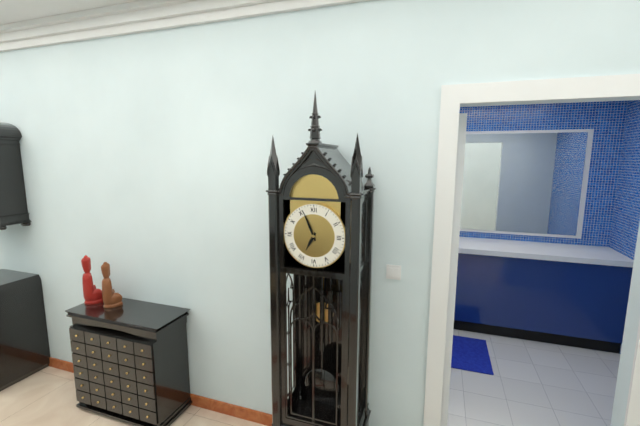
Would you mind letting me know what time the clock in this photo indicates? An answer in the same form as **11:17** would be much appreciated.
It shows **6:56**
